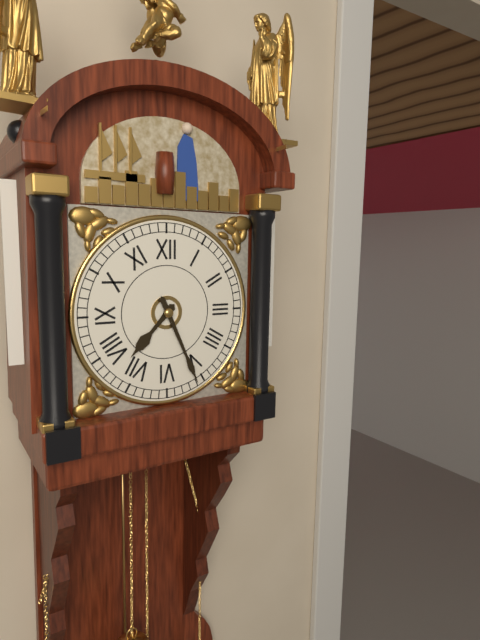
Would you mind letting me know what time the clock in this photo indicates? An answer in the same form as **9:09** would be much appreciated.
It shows **7:26**
